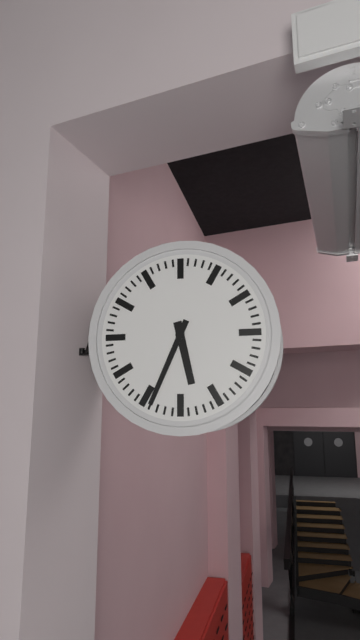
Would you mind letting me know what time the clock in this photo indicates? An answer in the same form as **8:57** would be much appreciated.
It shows **5:34**
